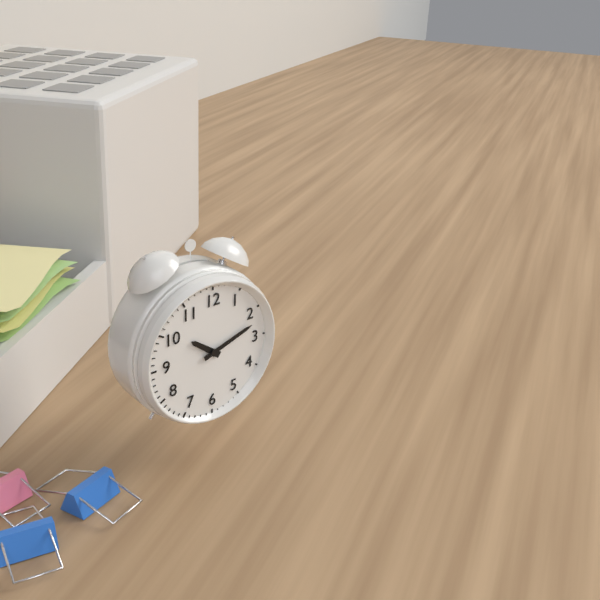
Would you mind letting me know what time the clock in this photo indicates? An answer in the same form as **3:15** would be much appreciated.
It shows **10:12**
